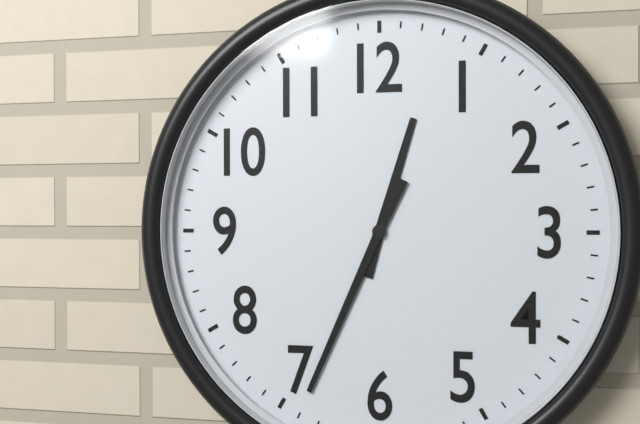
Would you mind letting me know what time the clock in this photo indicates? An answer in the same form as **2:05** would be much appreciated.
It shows **12:34**
